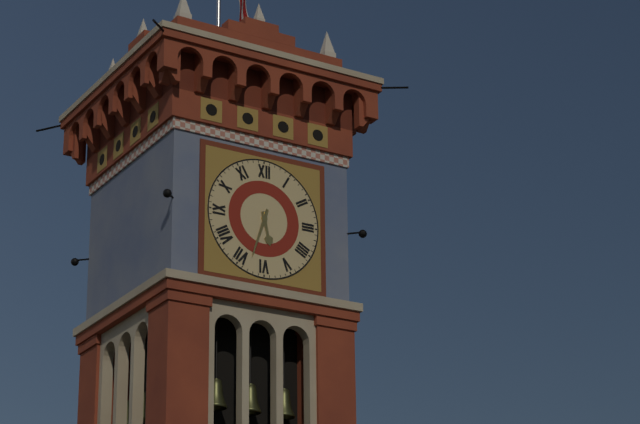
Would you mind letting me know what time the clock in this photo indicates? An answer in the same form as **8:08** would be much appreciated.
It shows **5:33**
